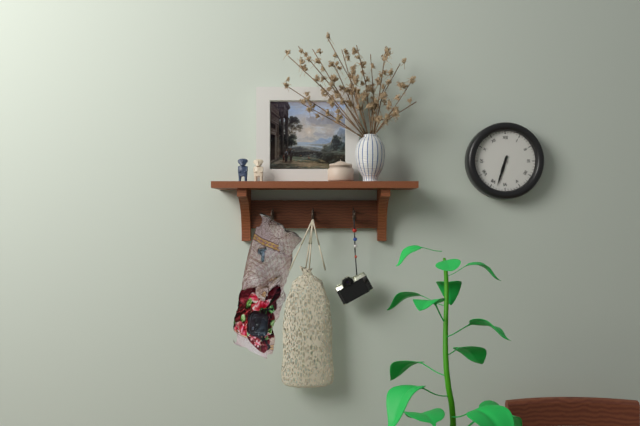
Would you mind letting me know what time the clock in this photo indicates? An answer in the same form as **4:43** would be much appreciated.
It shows **6:33**
